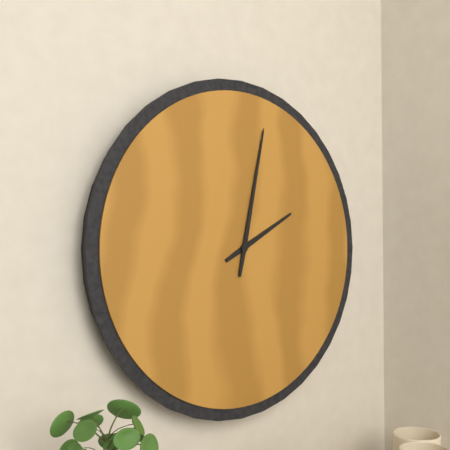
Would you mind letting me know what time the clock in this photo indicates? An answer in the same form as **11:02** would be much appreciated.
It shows **2:02**
